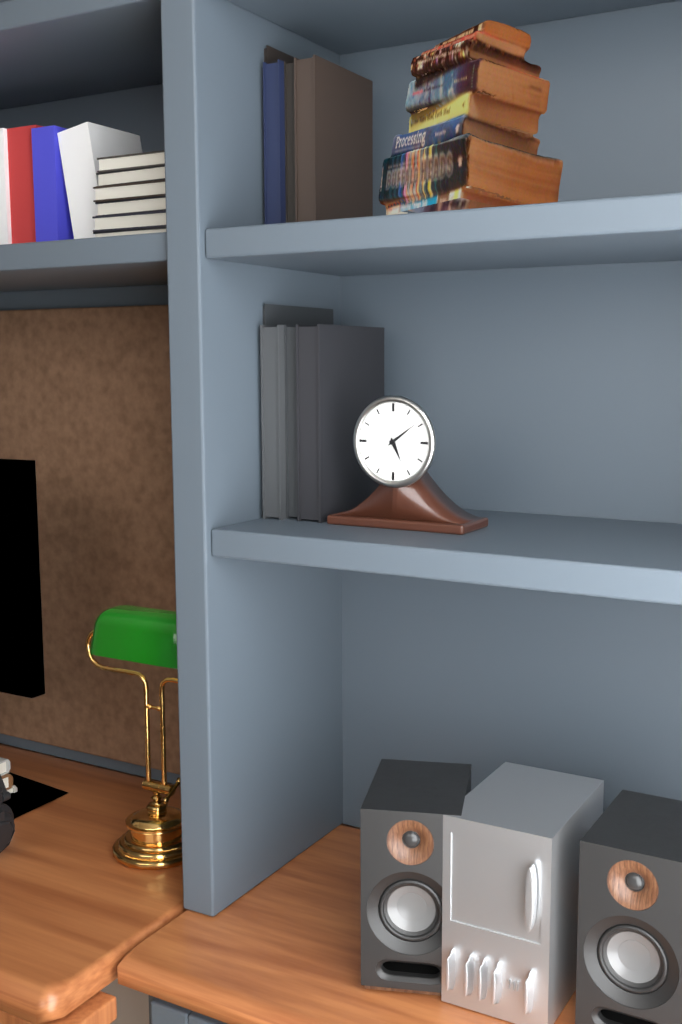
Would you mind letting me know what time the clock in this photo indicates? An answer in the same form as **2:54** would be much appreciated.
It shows **5:09**
